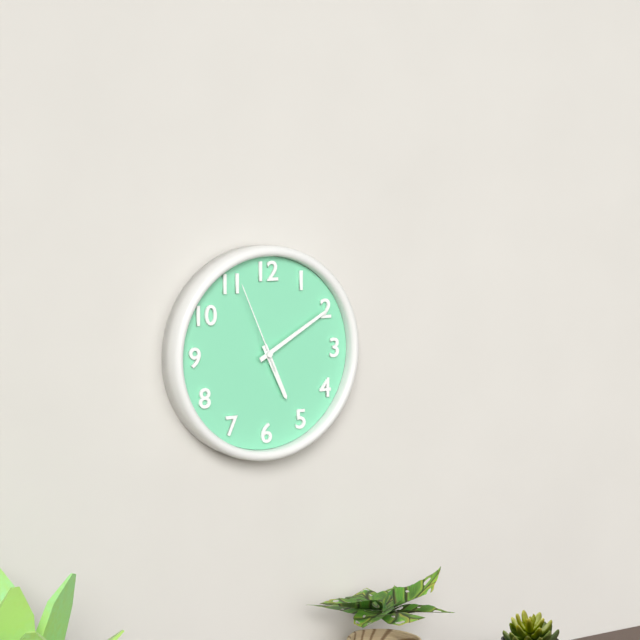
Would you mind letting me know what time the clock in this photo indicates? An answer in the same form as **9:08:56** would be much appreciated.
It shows **5:10:56**
